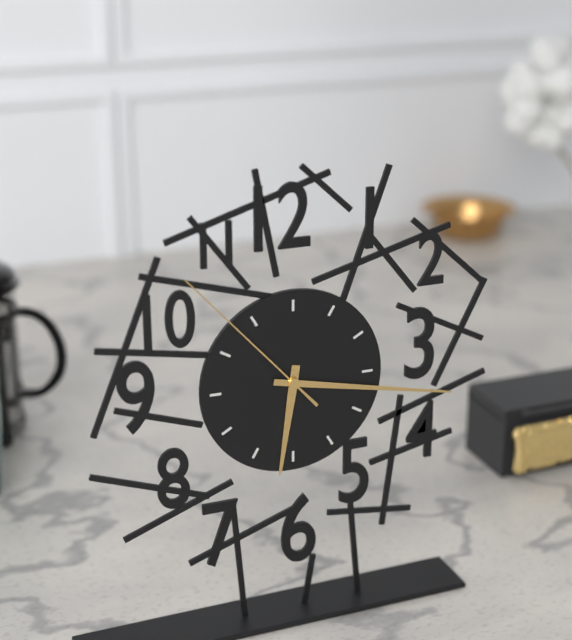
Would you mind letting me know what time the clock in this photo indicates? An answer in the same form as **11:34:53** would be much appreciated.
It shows **6:17:53**
